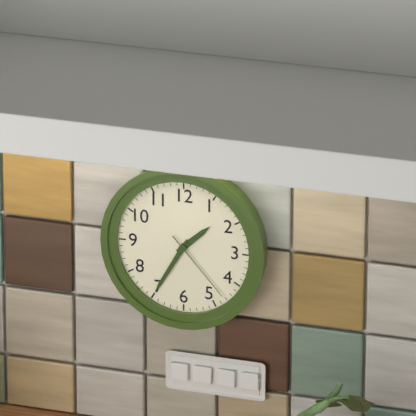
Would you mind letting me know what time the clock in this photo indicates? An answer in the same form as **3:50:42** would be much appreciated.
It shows **1:35:23**
